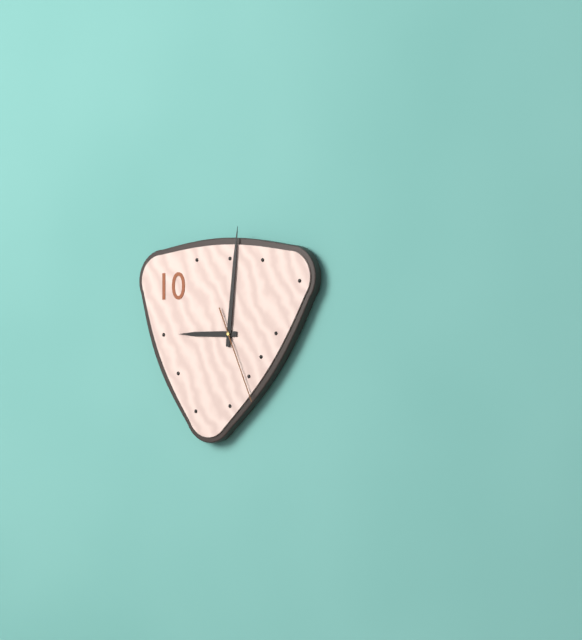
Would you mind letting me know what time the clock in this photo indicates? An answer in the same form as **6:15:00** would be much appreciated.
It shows **9:01:26**
